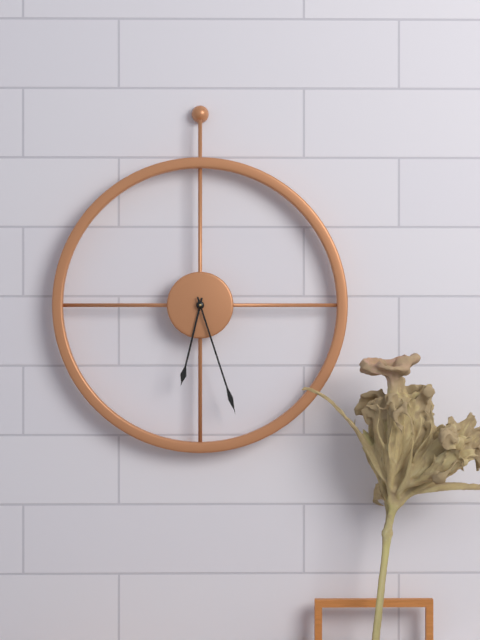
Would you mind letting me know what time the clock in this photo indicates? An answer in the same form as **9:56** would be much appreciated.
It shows **6:27**
